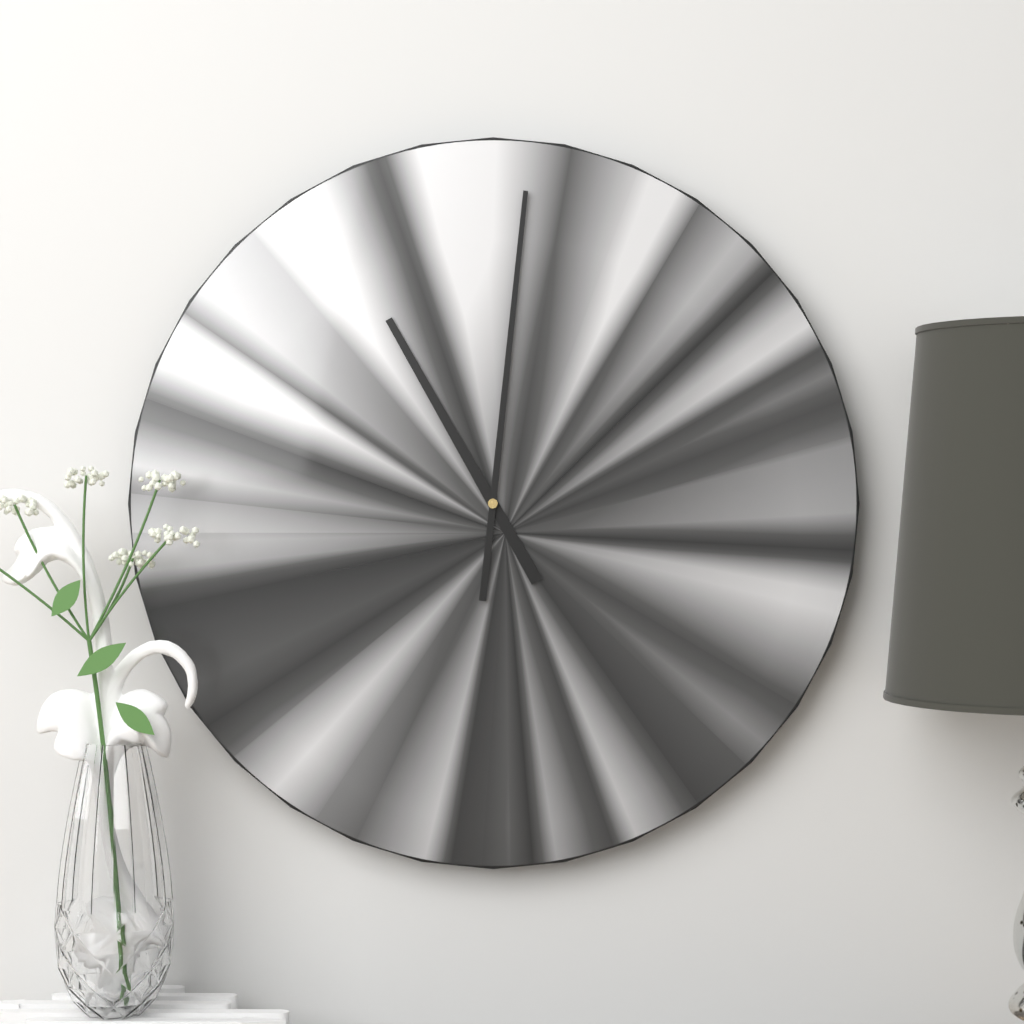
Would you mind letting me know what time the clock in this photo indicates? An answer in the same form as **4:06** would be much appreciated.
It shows **11:01**
